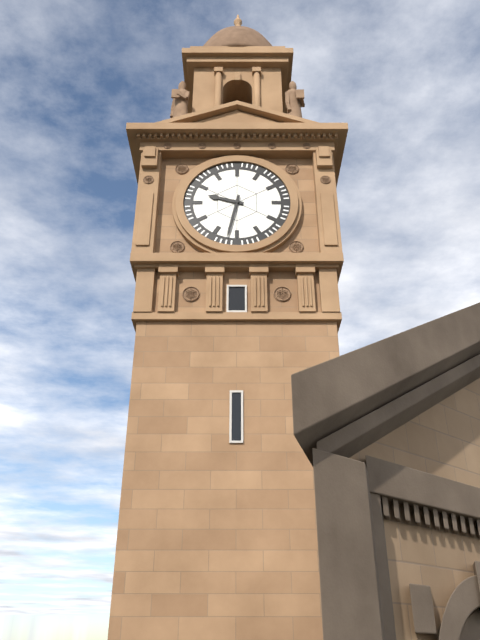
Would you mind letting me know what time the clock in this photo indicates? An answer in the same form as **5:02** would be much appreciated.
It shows **9:32**
